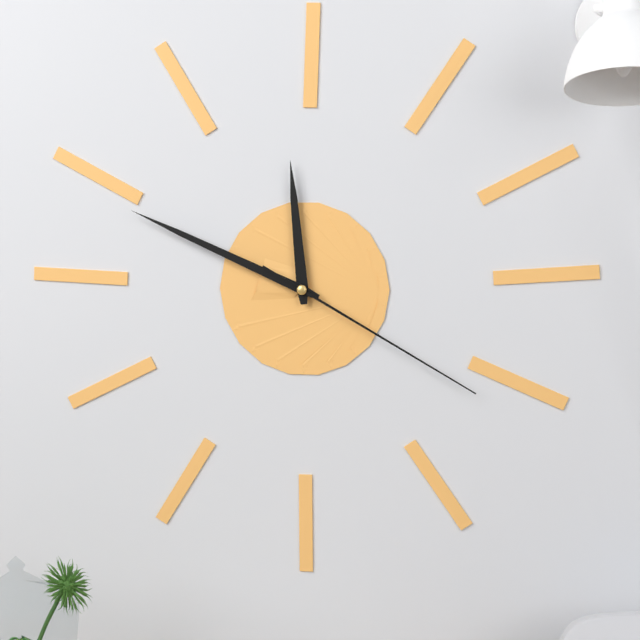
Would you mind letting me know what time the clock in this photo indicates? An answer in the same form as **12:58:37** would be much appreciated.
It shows **11:49:20**
